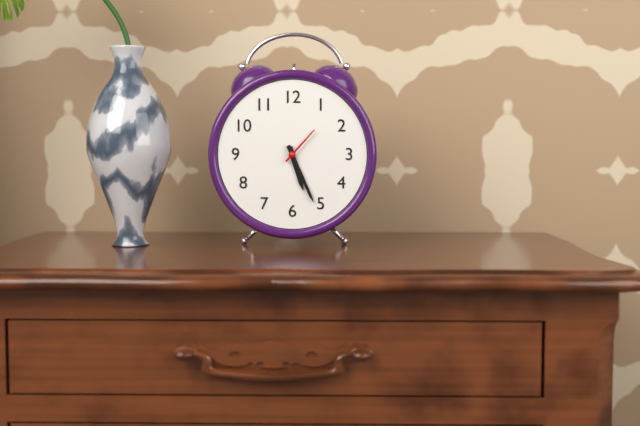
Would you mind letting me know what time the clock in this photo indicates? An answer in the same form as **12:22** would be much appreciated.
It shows **5:26**
